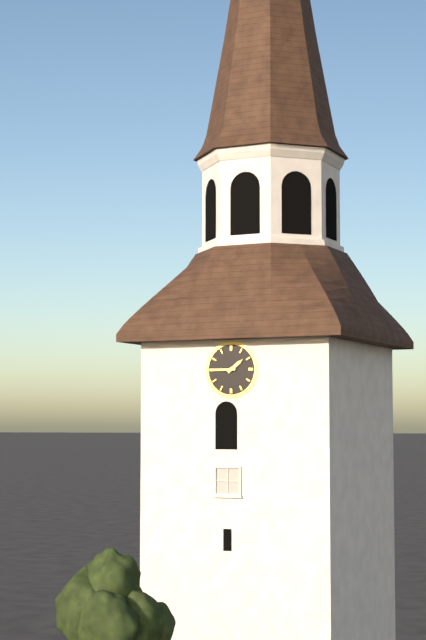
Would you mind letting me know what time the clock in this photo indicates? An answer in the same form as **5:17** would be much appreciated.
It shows **1:45**
